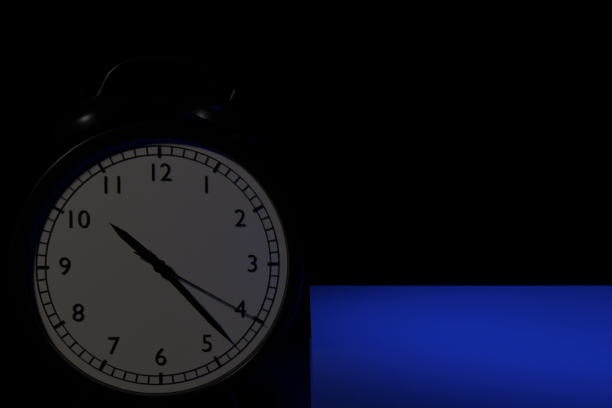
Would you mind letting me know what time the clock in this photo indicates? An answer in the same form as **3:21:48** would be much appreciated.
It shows **10:23:20**
